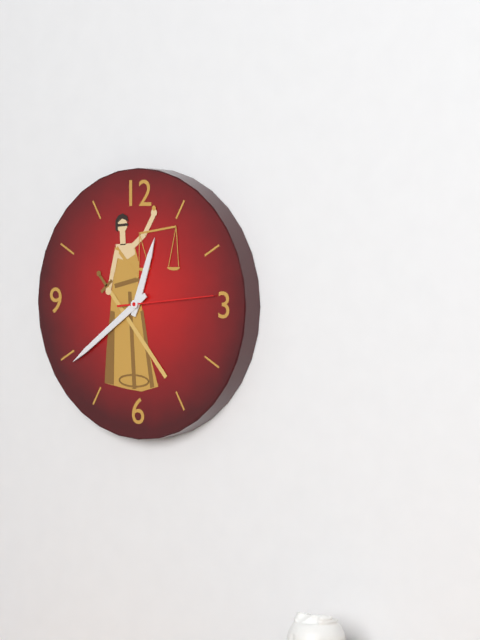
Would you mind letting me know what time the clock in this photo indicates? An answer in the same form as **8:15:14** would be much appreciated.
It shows **12:39:14**
